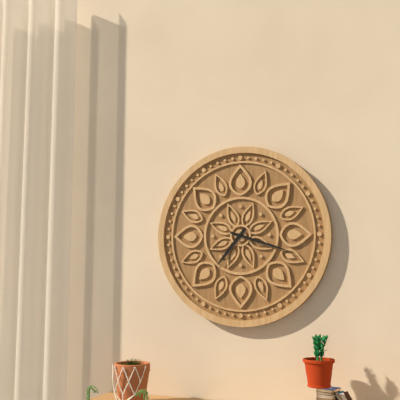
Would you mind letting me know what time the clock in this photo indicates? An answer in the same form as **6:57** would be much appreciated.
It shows **7:18**
